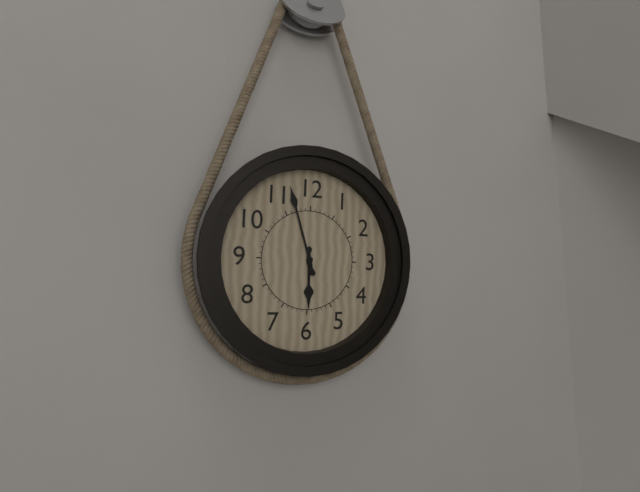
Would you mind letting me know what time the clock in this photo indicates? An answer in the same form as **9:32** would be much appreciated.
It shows **5:57**
